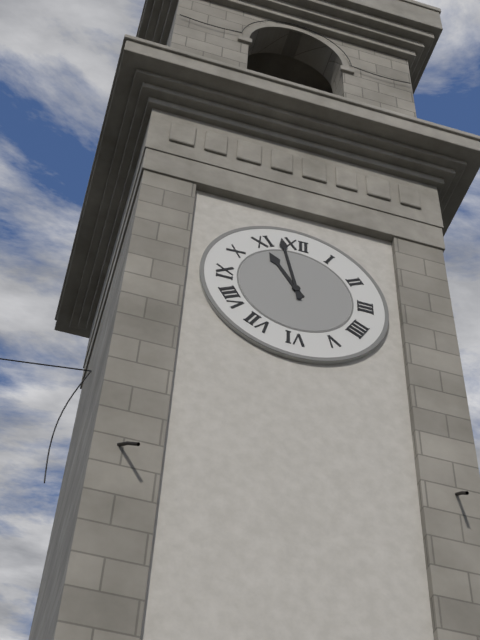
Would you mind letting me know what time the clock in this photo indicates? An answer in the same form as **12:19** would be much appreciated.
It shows **10:58**
